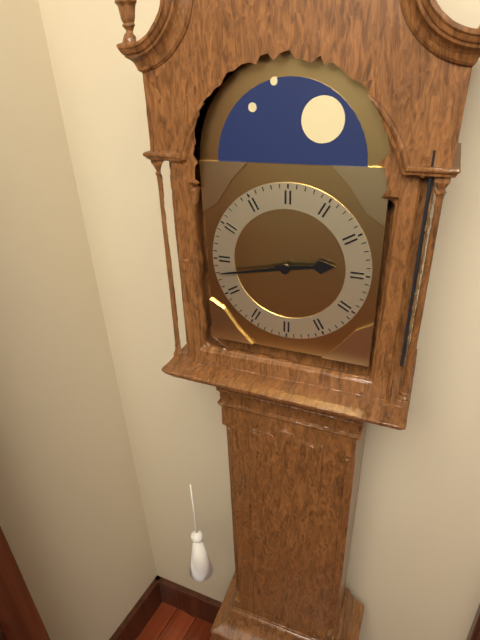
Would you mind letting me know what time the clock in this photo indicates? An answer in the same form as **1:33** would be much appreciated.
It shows **2:43**
